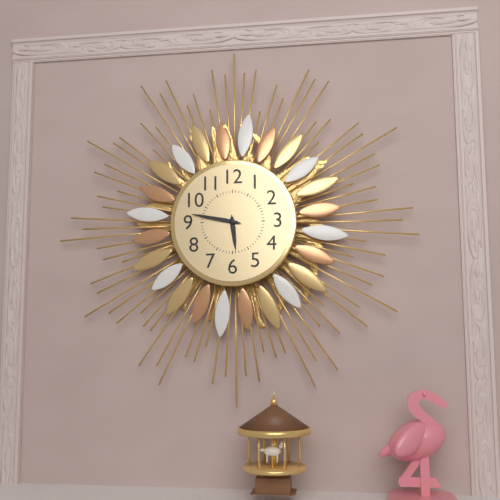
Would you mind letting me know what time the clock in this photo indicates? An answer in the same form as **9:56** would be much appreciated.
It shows **5:47**
